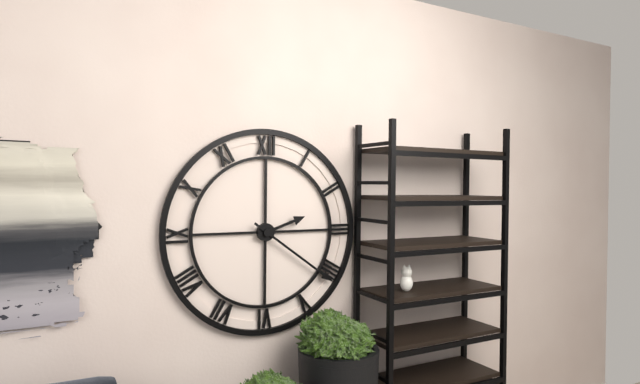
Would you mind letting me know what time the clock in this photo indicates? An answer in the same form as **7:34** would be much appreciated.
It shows **2:21**
